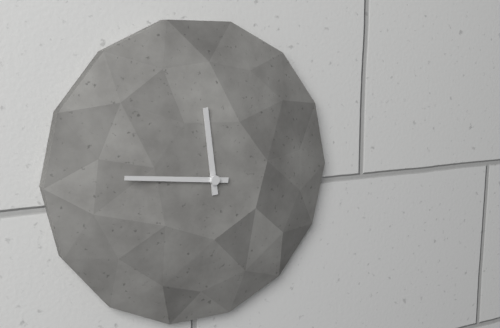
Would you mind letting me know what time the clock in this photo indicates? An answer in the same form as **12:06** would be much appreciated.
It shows **11:46**
